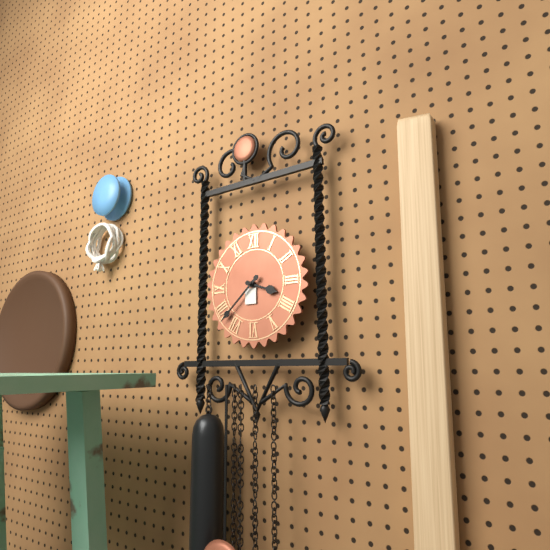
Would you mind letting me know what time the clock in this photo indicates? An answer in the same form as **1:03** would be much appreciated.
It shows **3:38**
